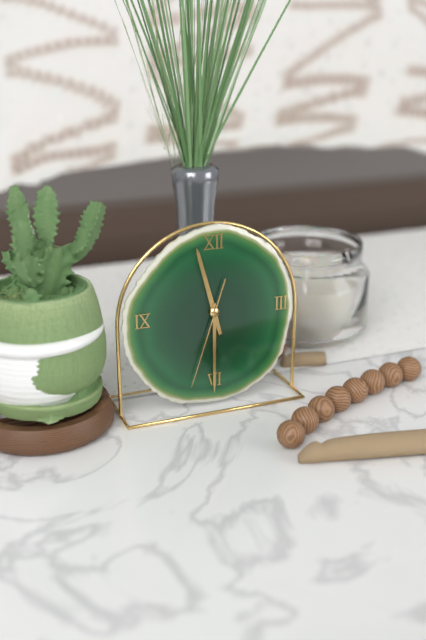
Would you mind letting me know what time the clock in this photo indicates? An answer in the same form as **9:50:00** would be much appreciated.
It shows **11:30:33**
